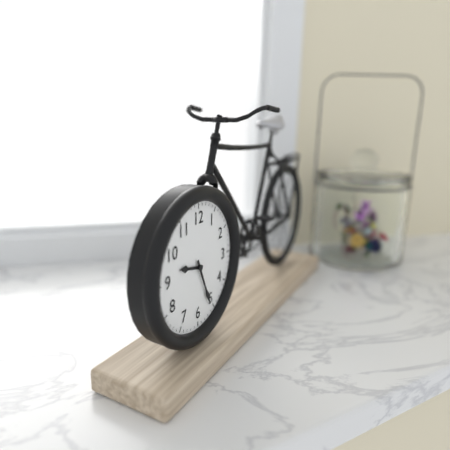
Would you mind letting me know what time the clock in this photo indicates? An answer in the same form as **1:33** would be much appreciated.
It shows **9:26**
